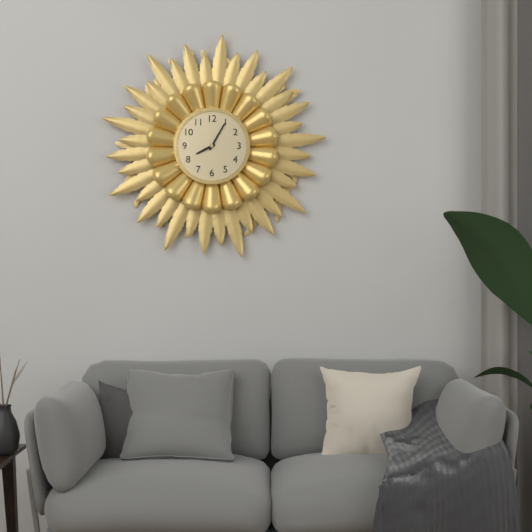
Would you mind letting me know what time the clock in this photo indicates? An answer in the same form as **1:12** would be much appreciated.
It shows **8:05**
